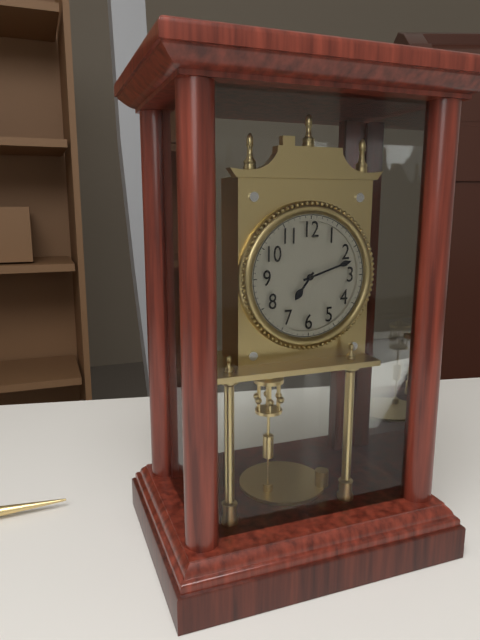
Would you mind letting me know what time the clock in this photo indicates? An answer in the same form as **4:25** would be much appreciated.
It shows **7:12**
